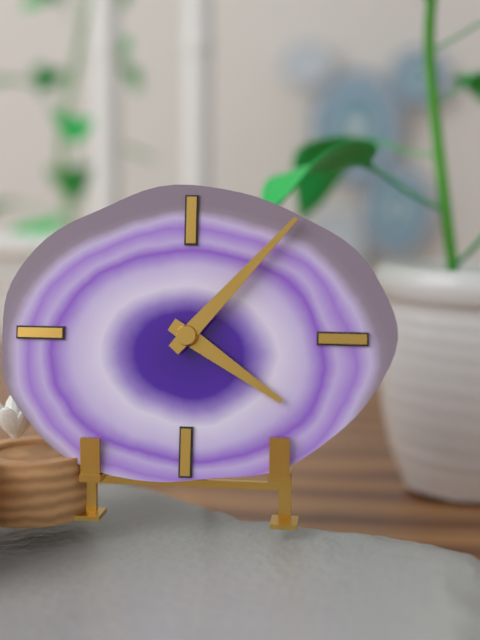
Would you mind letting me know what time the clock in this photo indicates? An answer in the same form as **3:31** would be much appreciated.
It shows **4:07**
